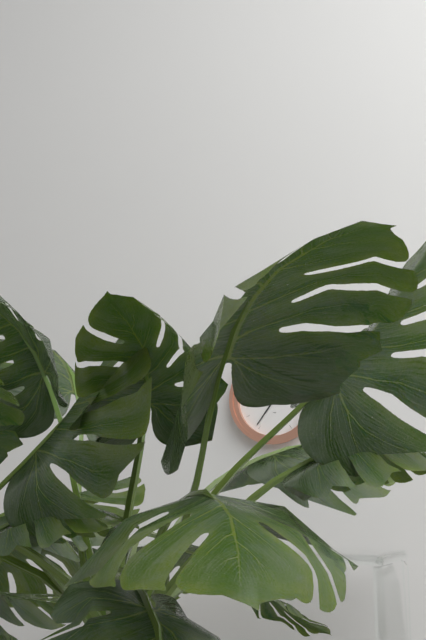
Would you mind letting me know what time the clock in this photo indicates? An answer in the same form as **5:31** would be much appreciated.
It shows **10:36**
